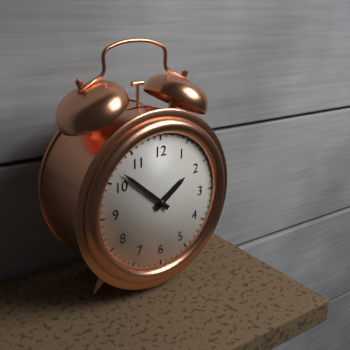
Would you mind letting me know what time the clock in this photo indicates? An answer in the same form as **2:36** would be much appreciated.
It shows **1:52**
